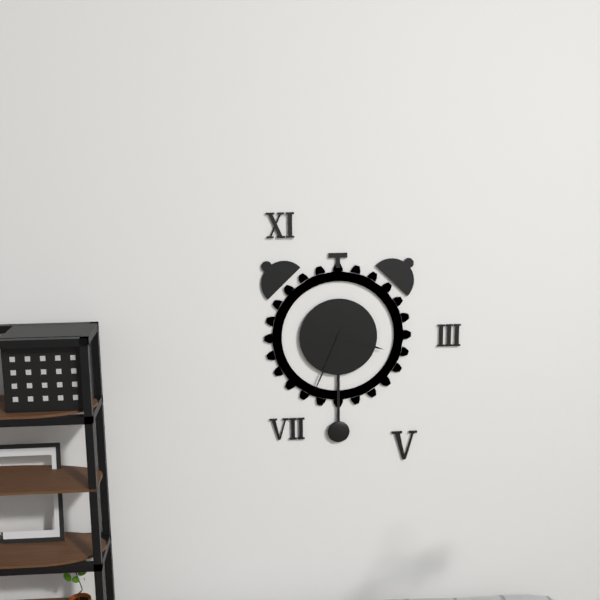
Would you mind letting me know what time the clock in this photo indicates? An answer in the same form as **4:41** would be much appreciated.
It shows **3:34**
